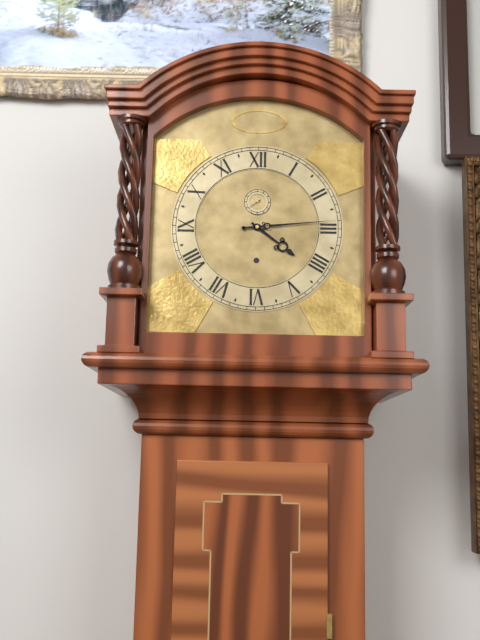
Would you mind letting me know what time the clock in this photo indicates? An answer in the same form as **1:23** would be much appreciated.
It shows **4:14**
